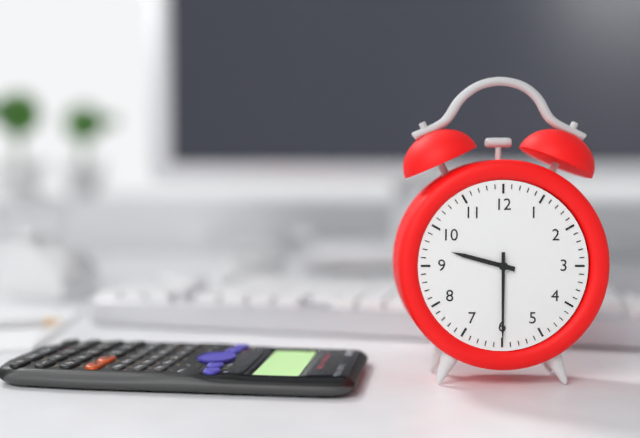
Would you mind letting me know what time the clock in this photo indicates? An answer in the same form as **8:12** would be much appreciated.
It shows **9:30**
